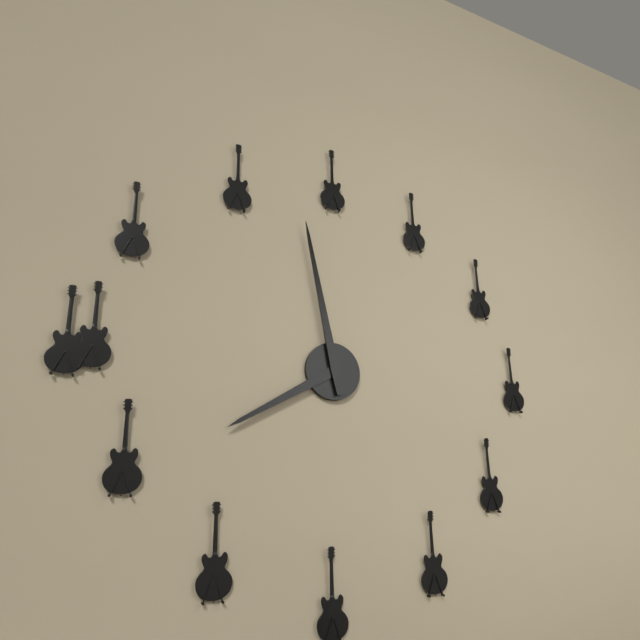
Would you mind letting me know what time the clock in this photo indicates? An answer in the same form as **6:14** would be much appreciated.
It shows **7:58**
